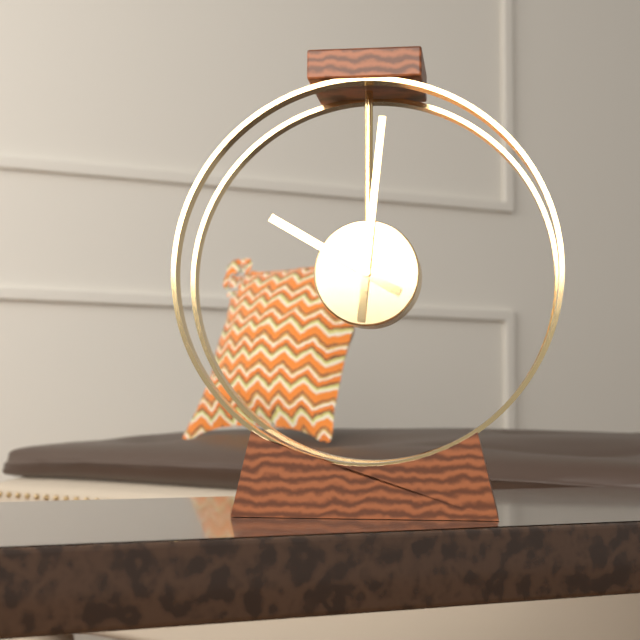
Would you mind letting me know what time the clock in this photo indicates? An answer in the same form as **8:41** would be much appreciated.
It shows **10:01**
